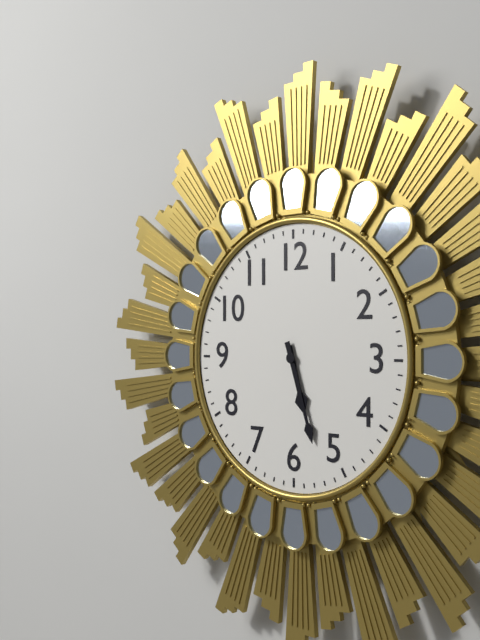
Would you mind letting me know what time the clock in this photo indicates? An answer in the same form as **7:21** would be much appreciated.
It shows **5:27**
